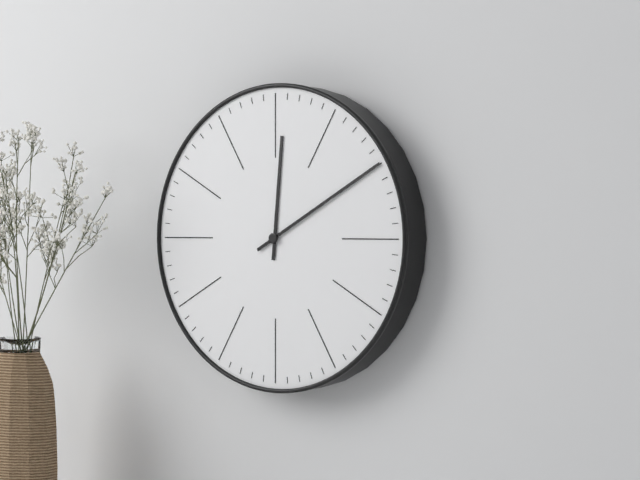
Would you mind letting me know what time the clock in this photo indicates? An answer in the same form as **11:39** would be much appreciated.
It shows **12:10**
